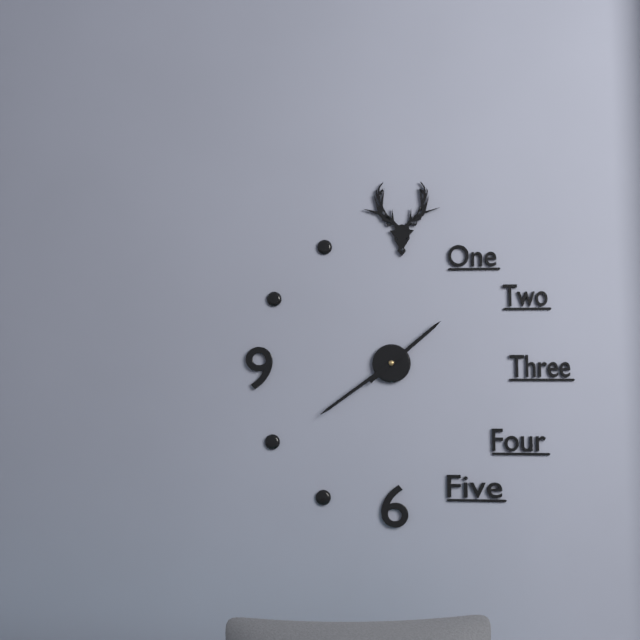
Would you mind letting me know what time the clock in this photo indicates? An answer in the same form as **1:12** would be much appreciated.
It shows **1:39**
